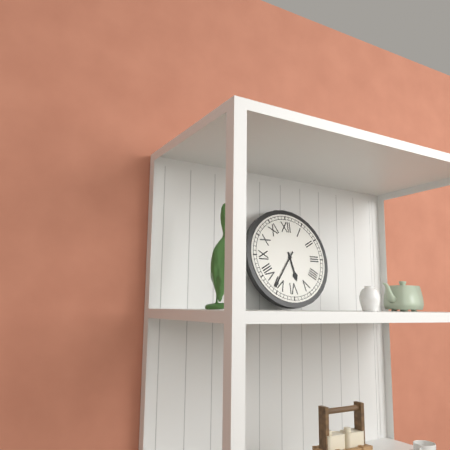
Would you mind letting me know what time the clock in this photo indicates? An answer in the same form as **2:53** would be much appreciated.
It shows **5:36**
